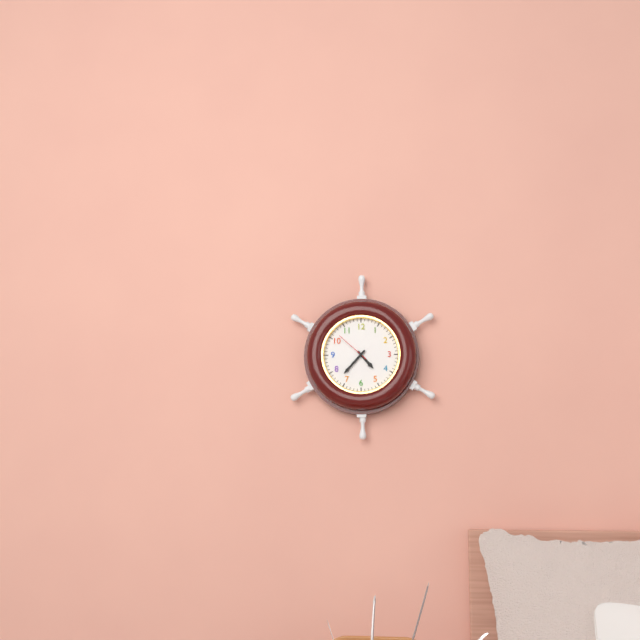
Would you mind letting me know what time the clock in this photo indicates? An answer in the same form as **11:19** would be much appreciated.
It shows **4:37**
